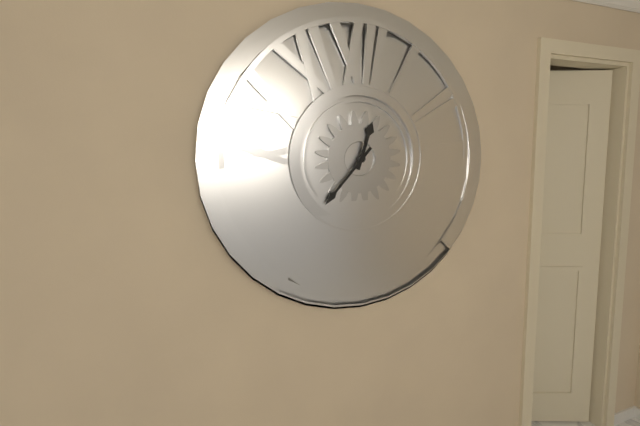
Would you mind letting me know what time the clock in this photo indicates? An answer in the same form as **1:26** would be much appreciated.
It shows **12:37**
